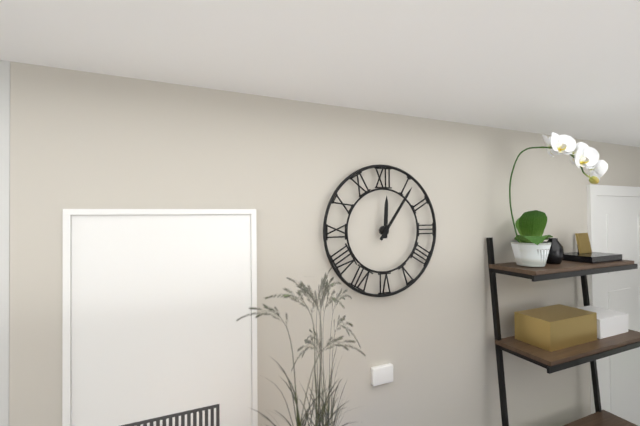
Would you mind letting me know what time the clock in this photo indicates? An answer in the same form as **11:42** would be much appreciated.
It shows **12:06**
